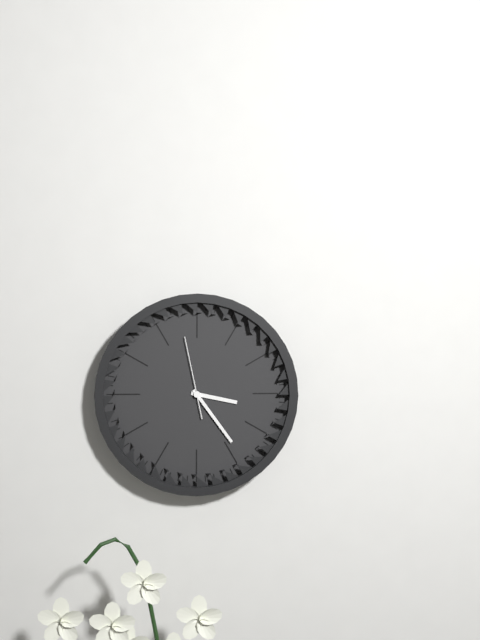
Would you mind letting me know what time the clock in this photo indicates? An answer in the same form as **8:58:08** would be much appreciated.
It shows **3:24:58**
